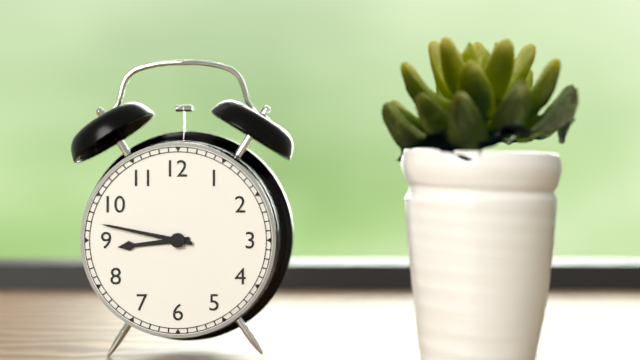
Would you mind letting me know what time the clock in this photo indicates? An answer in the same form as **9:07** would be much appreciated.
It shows **8:47**
